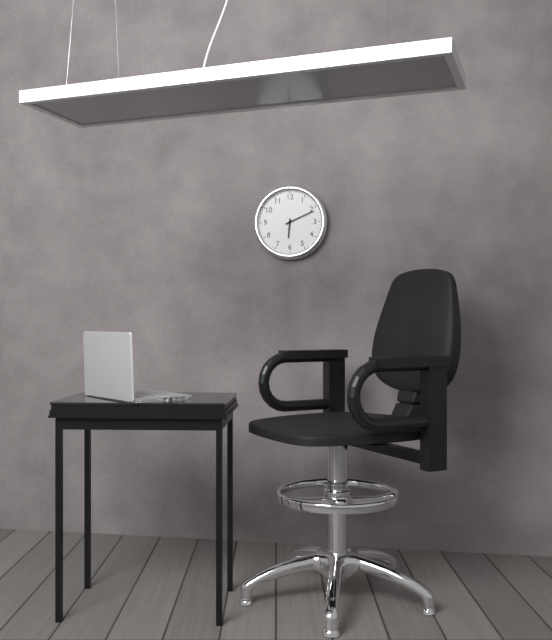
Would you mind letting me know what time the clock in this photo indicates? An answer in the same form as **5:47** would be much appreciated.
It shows **6:11**
